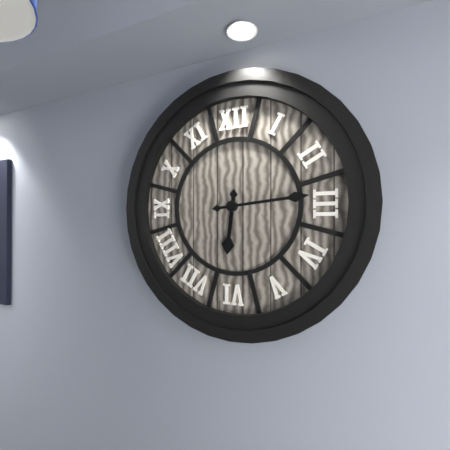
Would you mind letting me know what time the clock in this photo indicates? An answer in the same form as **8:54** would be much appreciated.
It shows **6:14**
